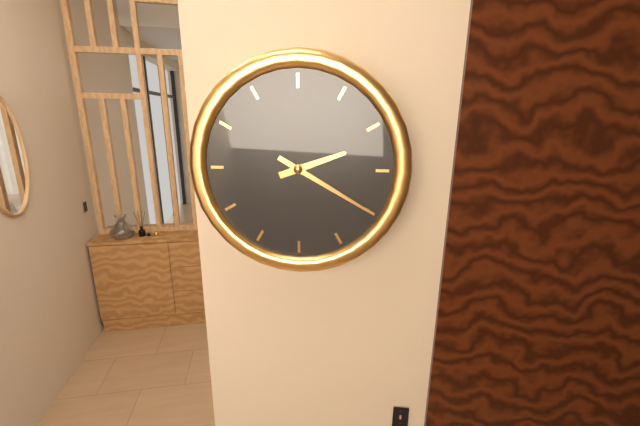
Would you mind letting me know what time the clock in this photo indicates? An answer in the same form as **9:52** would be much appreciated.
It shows **2:20**
